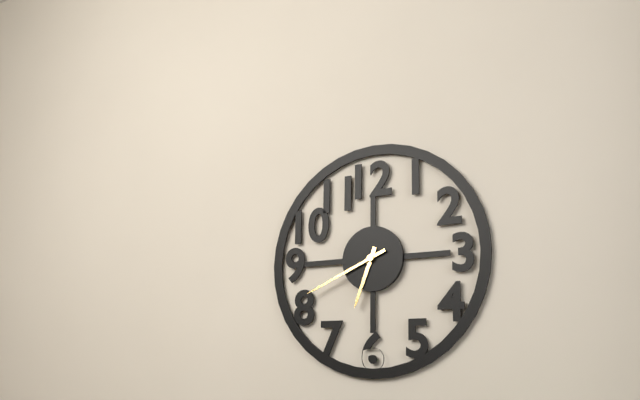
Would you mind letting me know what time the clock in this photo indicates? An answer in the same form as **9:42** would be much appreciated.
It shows **6:41**
